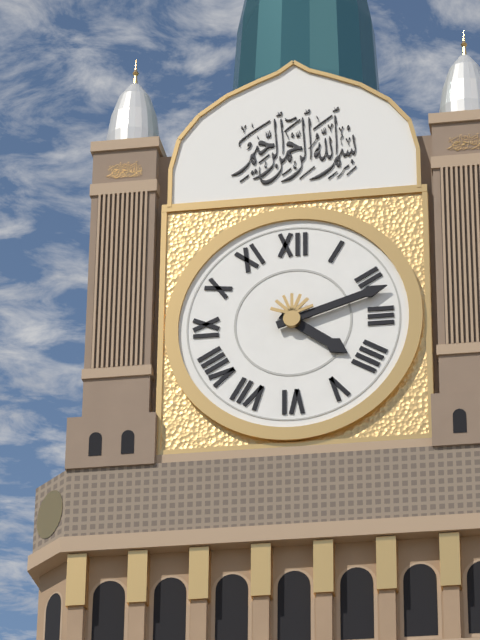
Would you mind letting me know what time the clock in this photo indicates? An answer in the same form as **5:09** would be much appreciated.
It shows **4:12**
